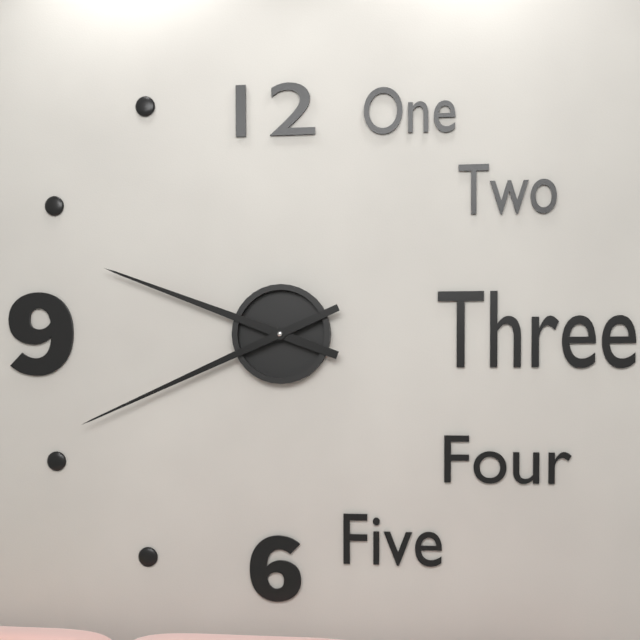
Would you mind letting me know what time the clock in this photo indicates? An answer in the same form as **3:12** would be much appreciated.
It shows **9:41**
